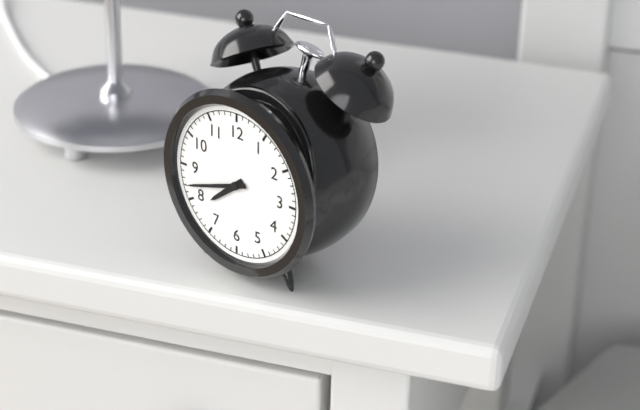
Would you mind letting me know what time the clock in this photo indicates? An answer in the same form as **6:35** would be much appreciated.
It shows **7:42**
